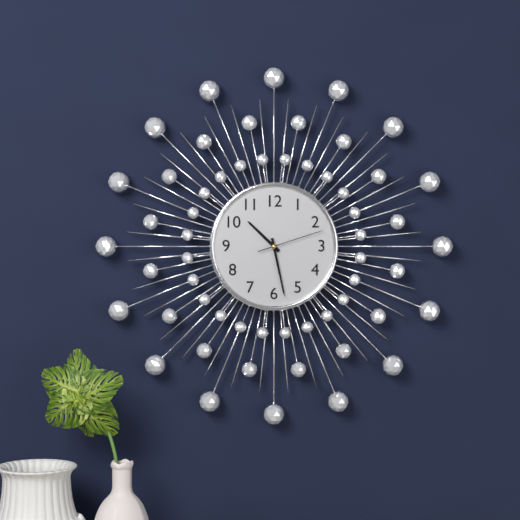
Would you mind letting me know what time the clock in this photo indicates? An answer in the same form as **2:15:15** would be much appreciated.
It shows **10:28:12**
